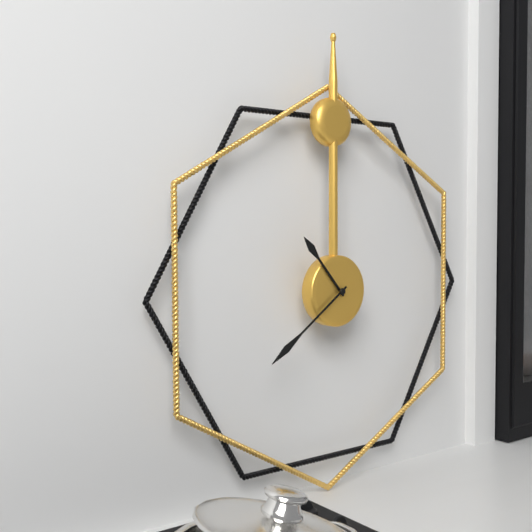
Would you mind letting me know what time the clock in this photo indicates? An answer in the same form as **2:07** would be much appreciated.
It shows **10:39**
